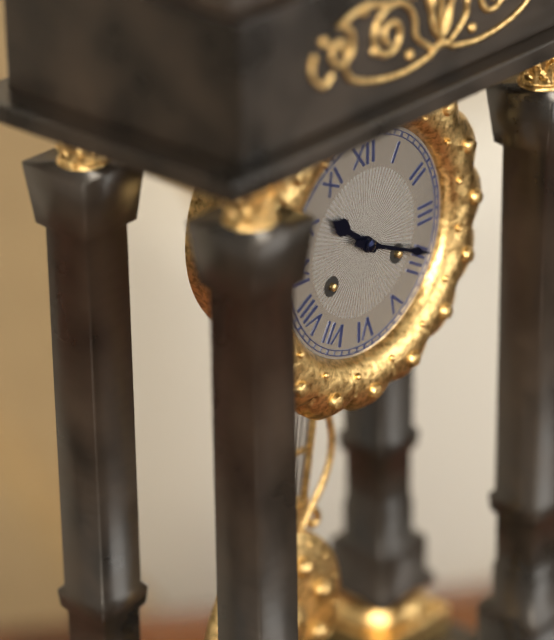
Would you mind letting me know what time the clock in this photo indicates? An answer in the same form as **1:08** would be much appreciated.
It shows **10:19**
